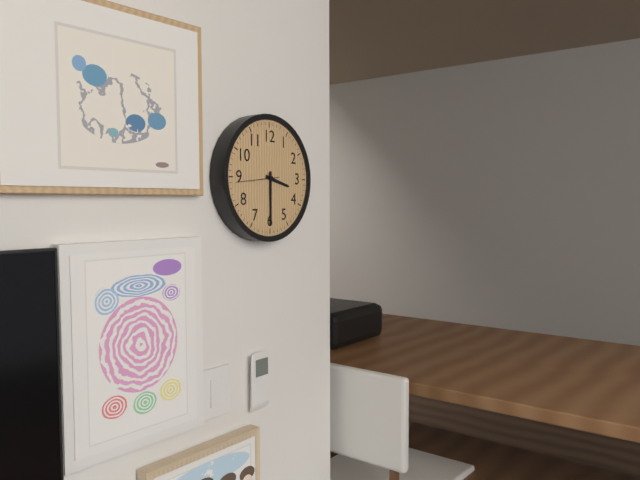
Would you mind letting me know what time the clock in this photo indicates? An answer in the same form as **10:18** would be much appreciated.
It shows **3:30**
